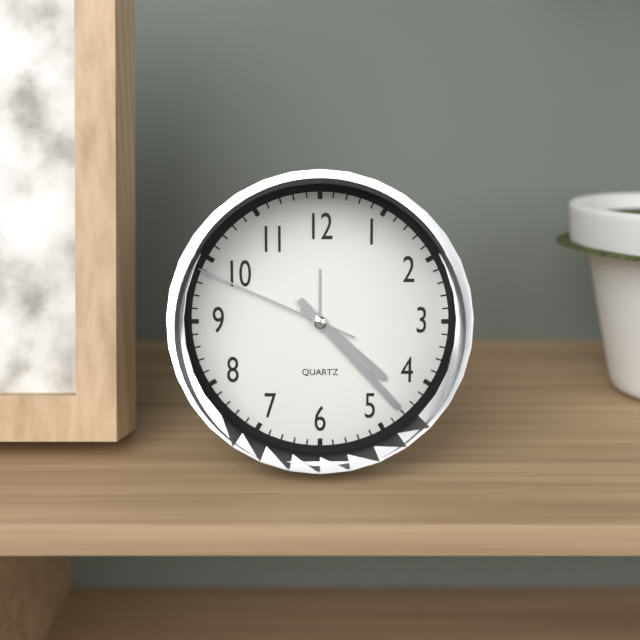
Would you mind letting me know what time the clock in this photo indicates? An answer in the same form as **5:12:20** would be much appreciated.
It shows **4:23:49**
